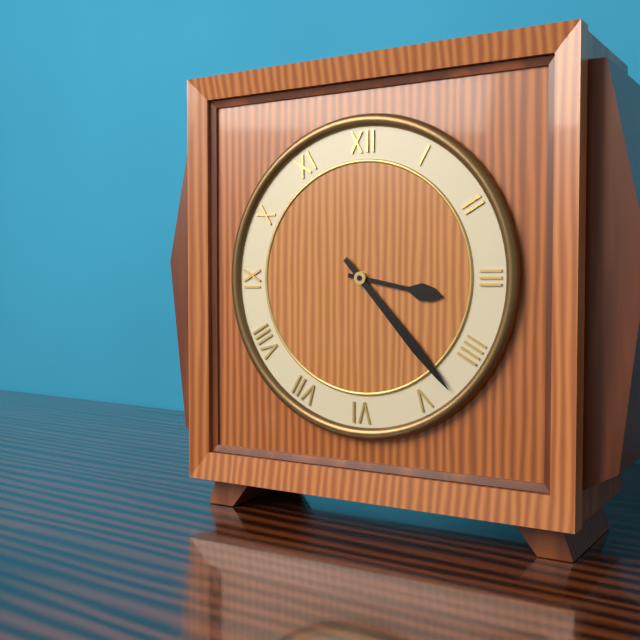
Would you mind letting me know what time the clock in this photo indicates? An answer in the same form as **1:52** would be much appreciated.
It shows **3:23**
